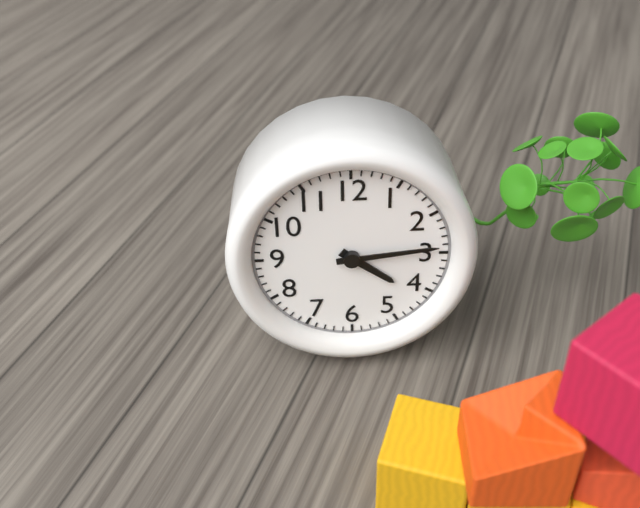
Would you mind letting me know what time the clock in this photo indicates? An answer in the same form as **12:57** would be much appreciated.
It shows **4:14**
